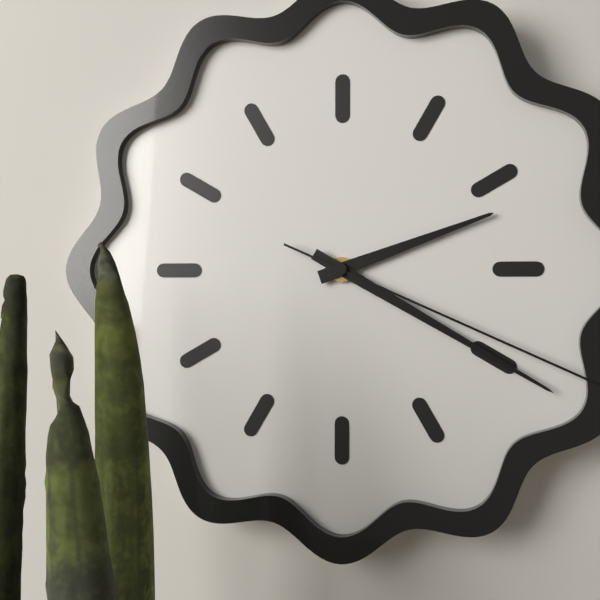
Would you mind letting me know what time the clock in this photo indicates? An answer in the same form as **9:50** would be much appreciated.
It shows **2:20**
